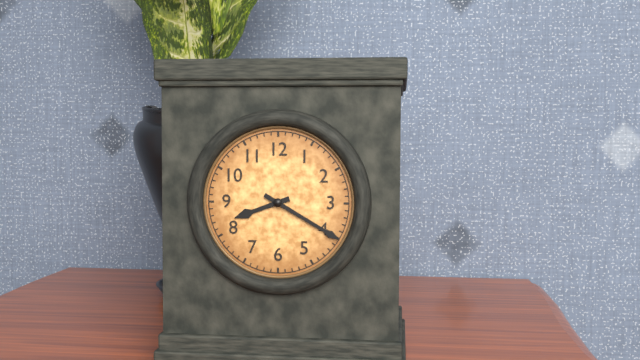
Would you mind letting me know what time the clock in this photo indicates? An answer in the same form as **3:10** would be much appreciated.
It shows **8:20**
